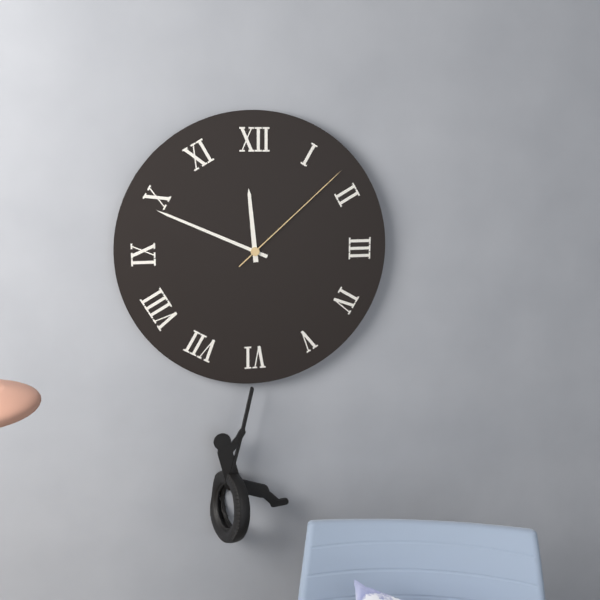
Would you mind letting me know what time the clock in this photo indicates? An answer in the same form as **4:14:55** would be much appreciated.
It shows **11:49:08**
